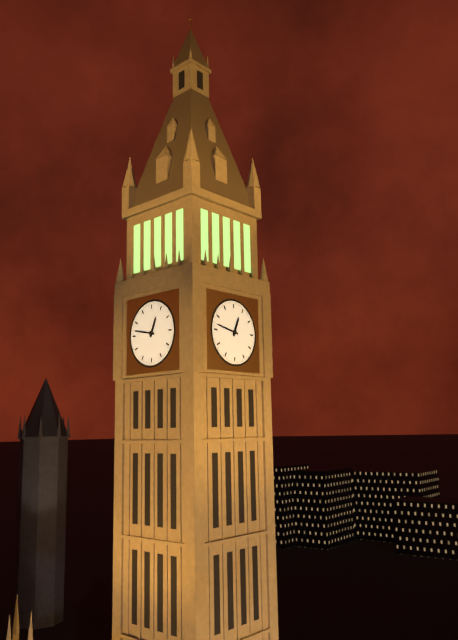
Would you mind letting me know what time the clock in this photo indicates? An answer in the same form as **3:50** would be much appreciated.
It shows **12:47**
